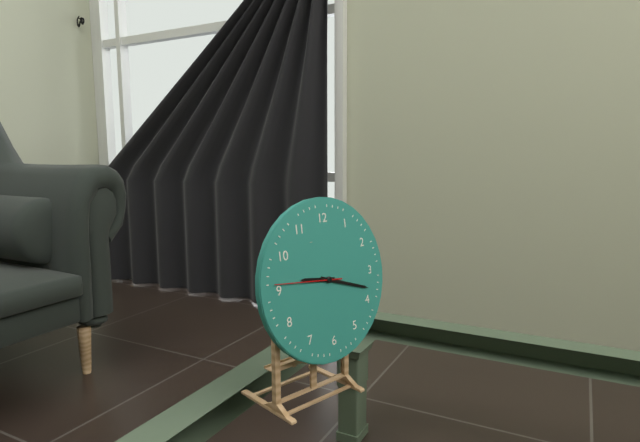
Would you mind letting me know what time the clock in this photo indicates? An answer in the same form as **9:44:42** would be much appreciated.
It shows **9:18:46**
